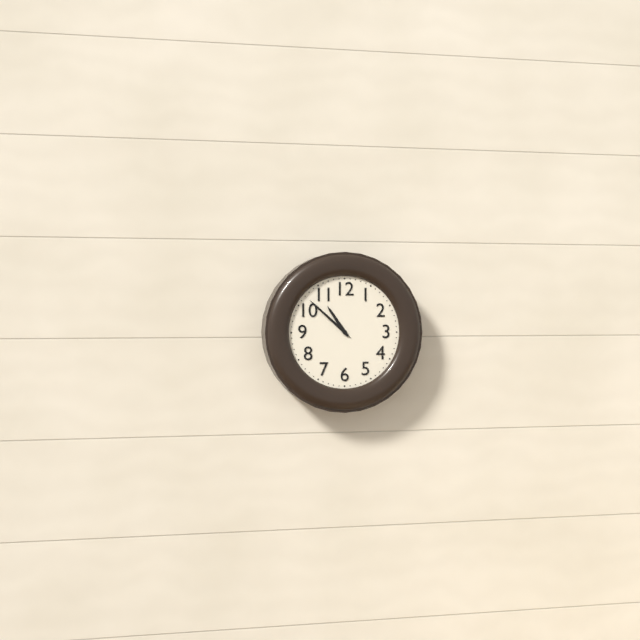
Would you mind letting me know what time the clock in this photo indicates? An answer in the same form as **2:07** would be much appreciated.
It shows **10:52**
